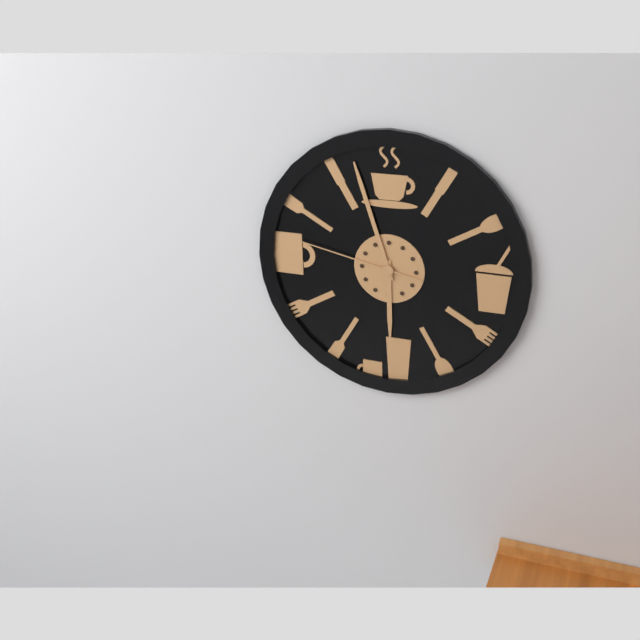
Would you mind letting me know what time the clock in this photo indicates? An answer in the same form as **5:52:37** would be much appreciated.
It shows **5:57:47**
